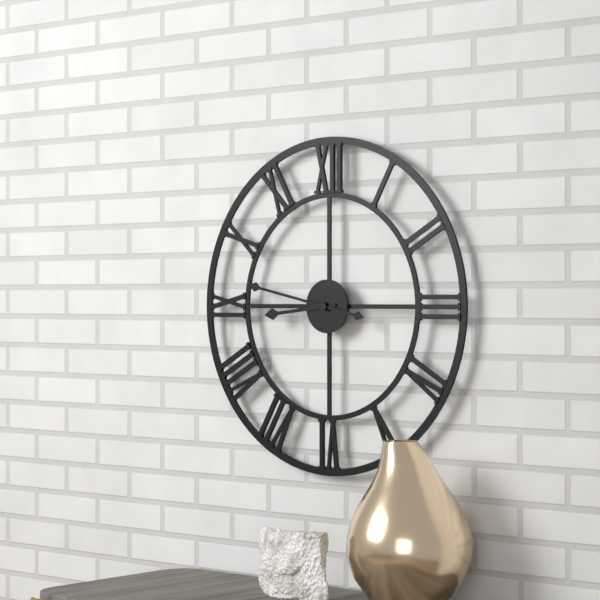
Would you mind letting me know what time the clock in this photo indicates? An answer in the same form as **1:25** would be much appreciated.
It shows **8:47**
